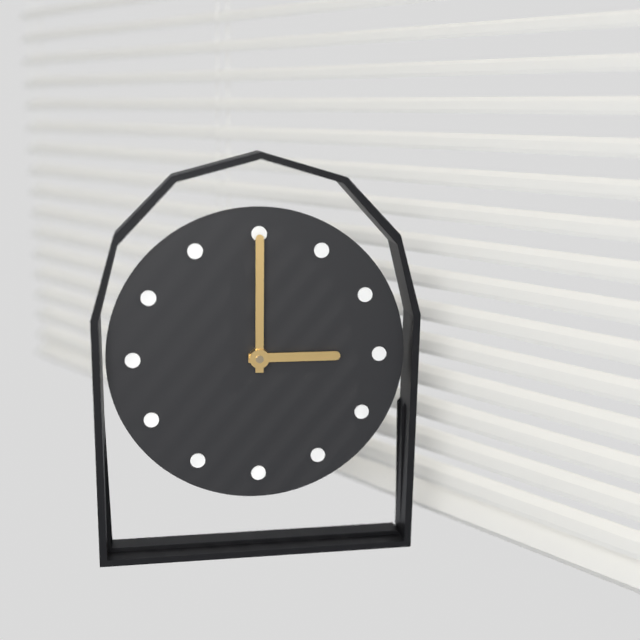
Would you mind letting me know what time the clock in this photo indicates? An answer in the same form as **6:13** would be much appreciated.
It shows **3:00**
